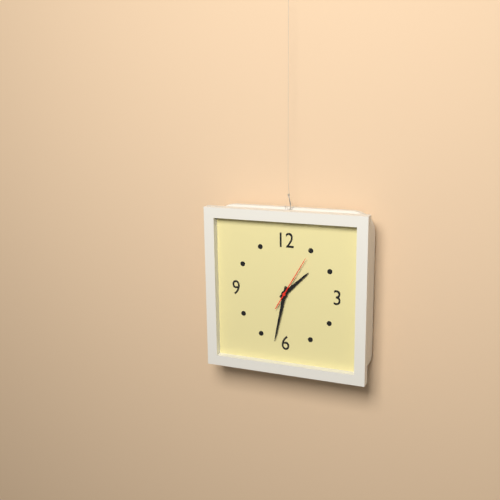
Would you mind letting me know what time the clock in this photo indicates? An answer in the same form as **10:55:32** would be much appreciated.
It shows **1:32:05**
